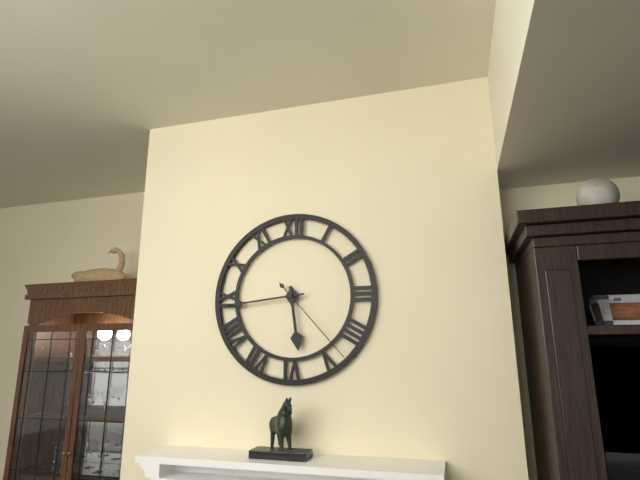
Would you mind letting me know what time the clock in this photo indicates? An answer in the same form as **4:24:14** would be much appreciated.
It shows **5:44:23**
